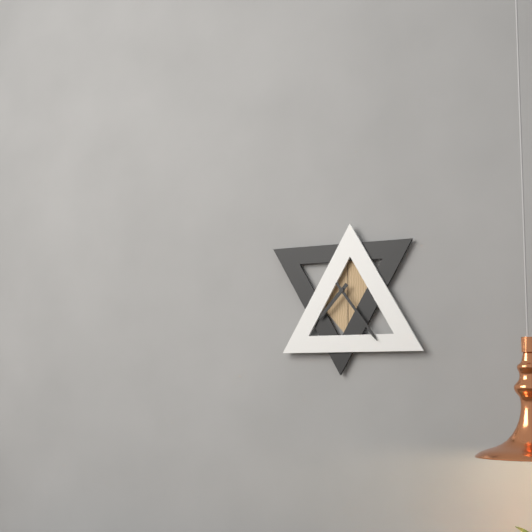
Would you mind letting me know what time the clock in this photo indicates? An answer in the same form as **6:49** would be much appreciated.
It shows **7:24**
